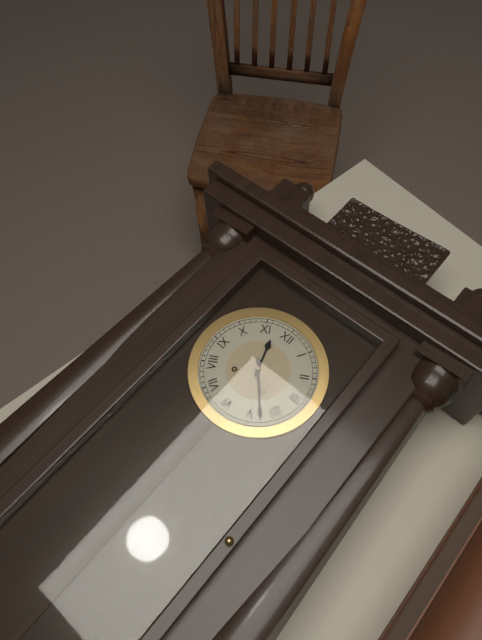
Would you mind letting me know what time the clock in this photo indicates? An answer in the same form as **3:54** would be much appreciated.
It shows **11:23**
